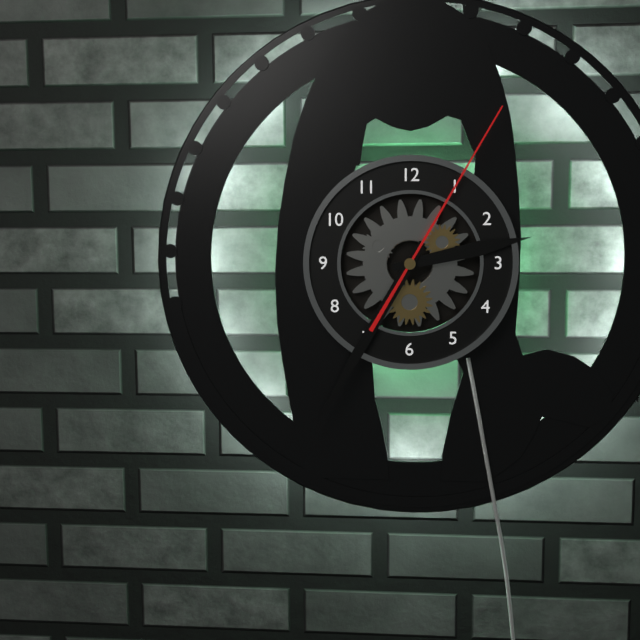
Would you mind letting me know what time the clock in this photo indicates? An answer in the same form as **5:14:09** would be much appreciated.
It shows **2:35:05**
